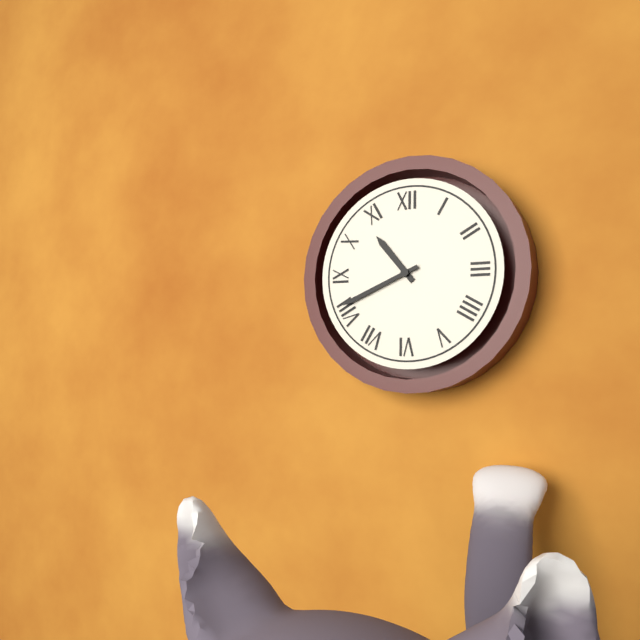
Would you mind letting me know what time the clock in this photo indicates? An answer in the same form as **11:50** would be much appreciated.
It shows **10:41**
